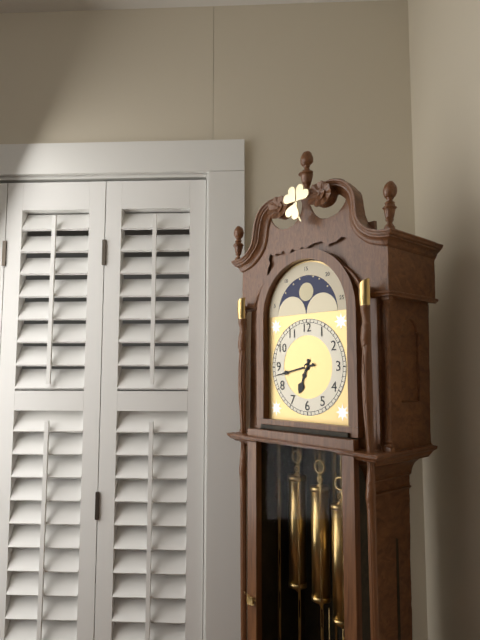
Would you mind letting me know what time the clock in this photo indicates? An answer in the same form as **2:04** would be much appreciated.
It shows **6:43**
